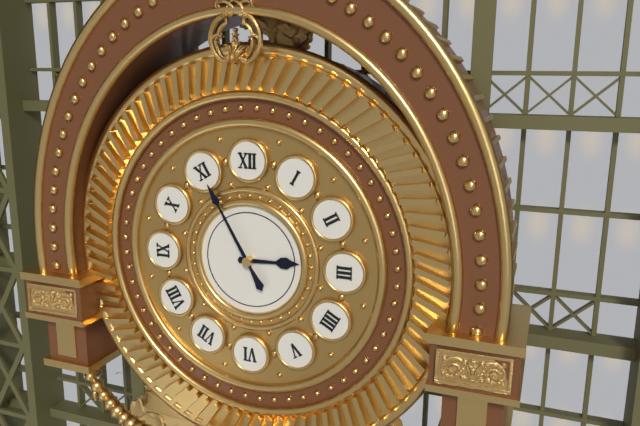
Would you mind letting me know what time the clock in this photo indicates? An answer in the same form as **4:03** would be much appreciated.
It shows **2:55**
